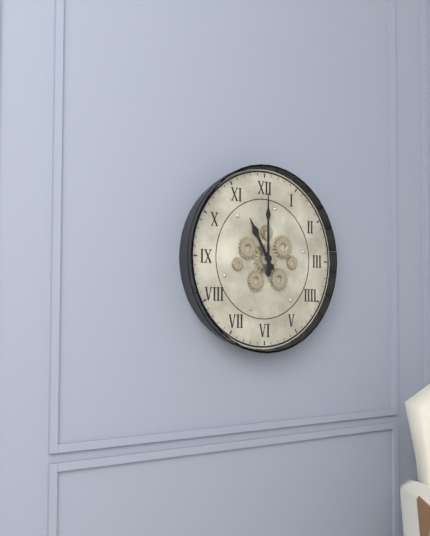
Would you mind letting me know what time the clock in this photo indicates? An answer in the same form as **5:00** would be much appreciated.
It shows **11:00**
